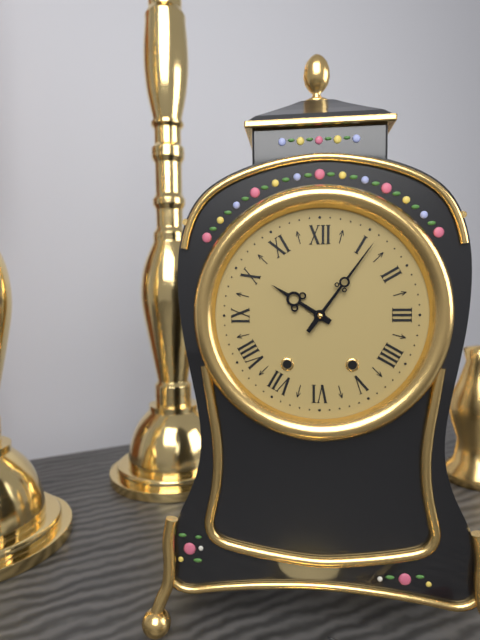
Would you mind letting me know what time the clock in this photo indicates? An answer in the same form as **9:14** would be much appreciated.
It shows **10:06**
